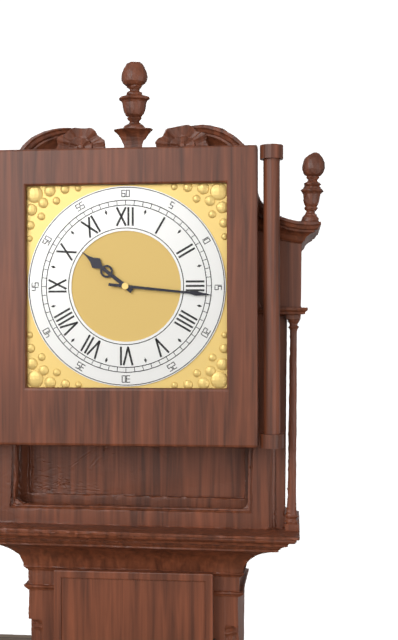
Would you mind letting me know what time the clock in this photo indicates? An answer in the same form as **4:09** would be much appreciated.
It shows **10:16**
